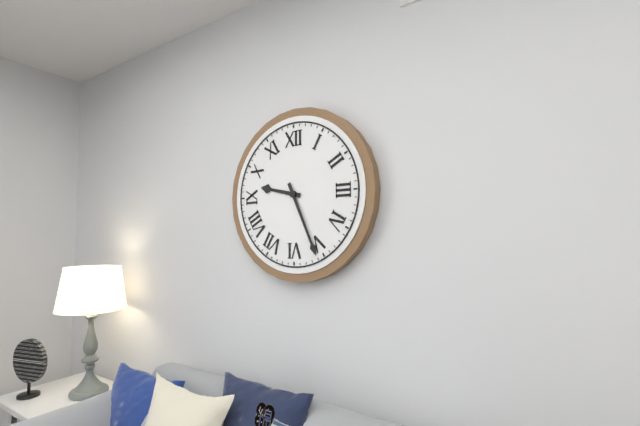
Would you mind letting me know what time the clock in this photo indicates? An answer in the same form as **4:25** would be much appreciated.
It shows **9:26**
